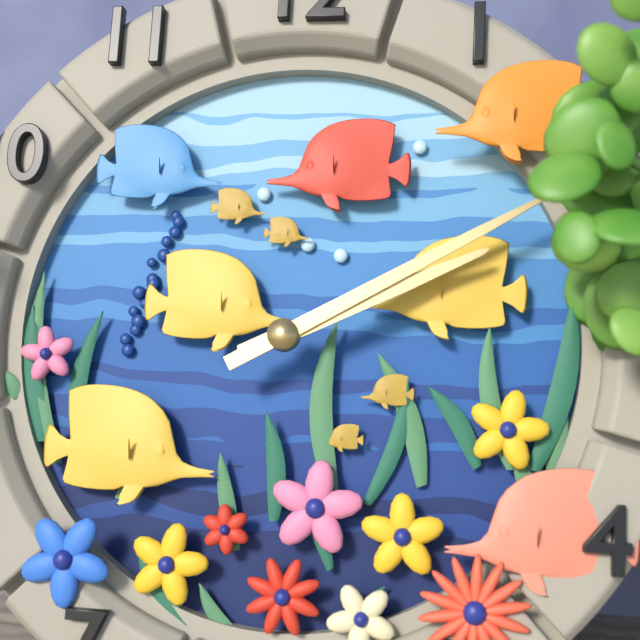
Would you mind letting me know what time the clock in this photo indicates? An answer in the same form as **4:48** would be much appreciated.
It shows **2:10**
